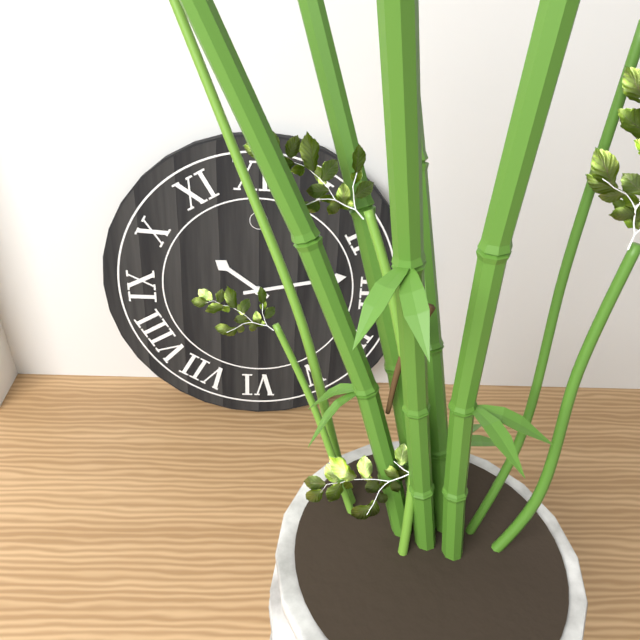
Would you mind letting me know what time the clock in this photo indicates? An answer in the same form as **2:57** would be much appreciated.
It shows **10:13**
